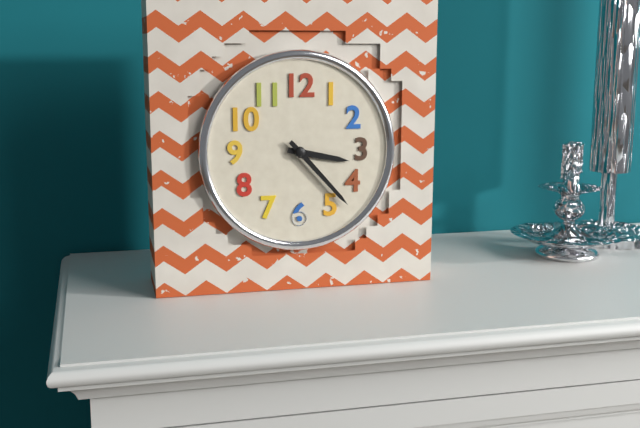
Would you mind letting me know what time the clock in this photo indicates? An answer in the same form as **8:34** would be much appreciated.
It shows **3:23**
